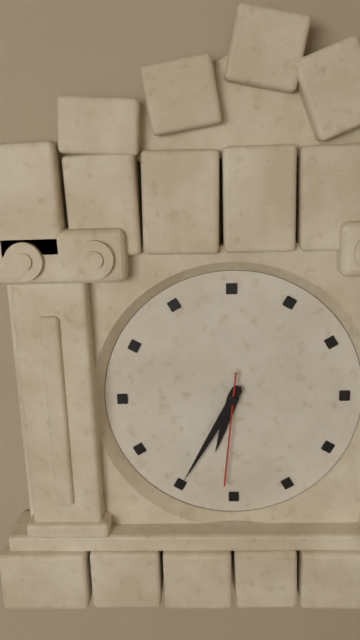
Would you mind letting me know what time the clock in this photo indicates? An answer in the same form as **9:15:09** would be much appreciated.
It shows **6:35:31**
